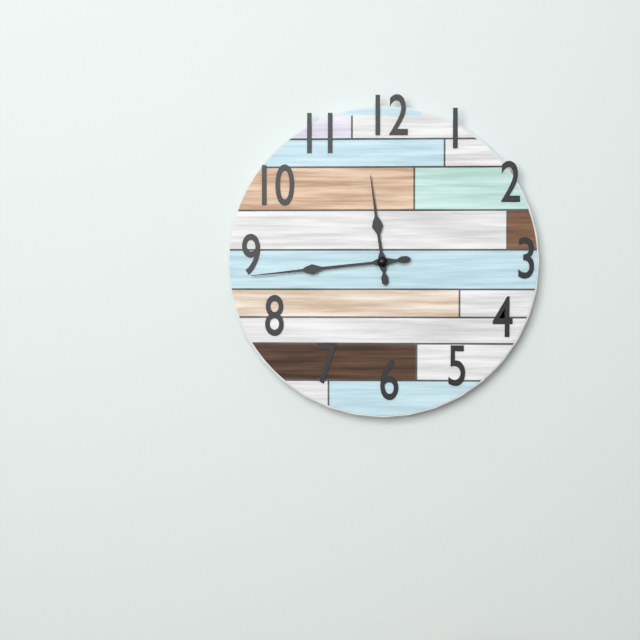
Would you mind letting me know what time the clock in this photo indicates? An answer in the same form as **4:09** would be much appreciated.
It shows **11:44**
